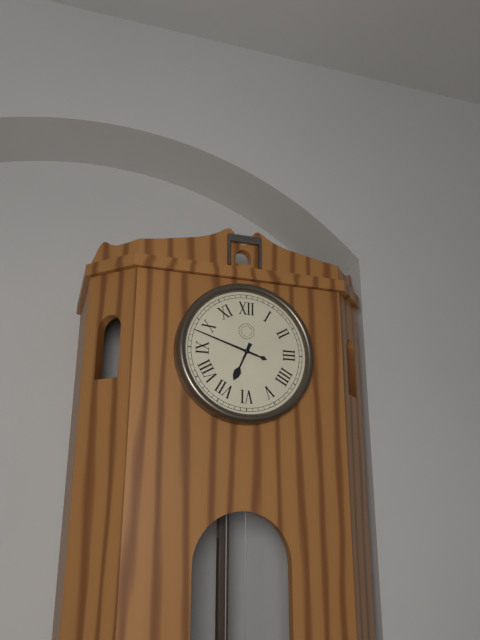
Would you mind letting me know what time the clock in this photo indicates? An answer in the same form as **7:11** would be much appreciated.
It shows **6:48**
